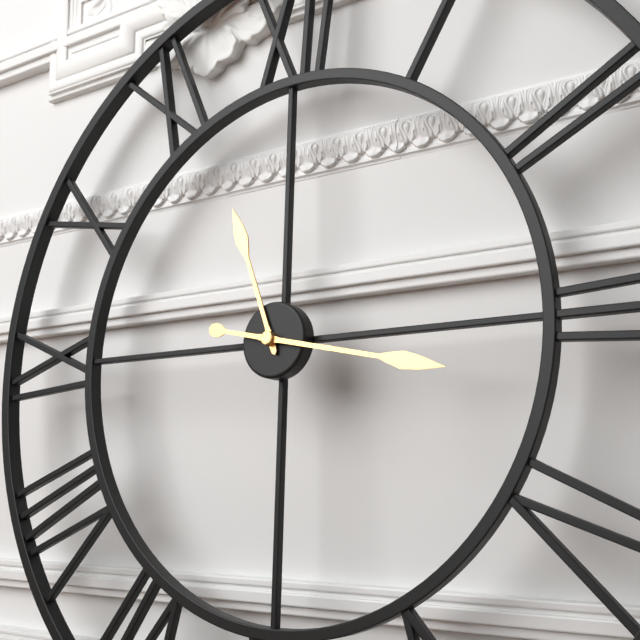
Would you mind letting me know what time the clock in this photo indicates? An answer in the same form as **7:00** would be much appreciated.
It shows **11:17**
